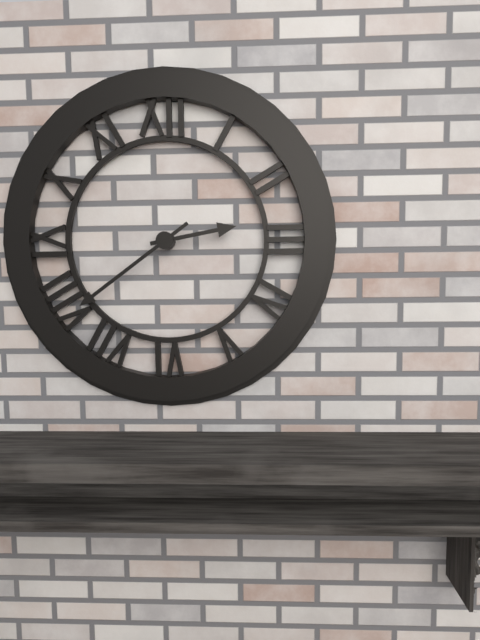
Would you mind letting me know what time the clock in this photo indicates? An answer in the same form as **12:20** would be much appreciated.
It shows **2:39**
